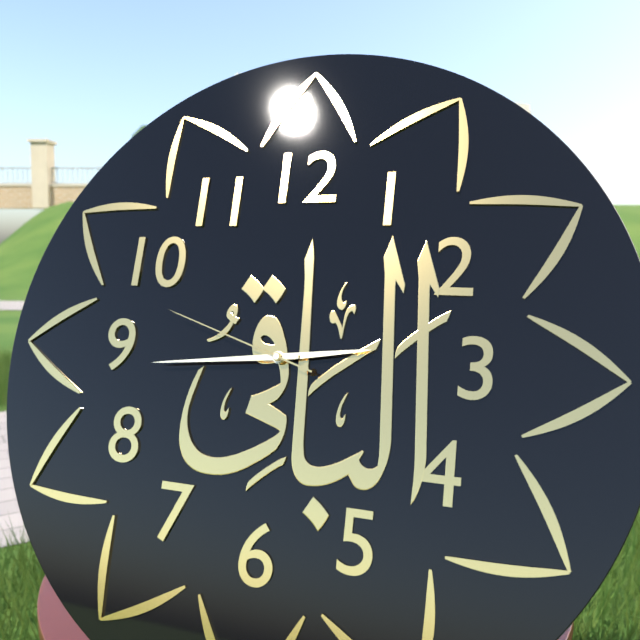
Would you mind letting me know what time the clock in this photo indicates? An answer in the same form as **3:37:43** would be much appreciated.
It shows **2:44:48**
